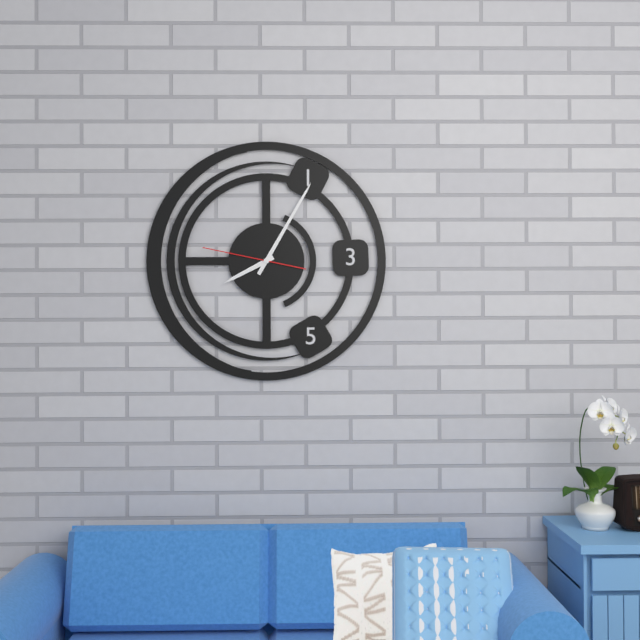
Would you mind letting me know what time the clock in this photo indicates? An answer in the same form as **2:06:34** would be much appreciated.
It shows **8:05:47**
